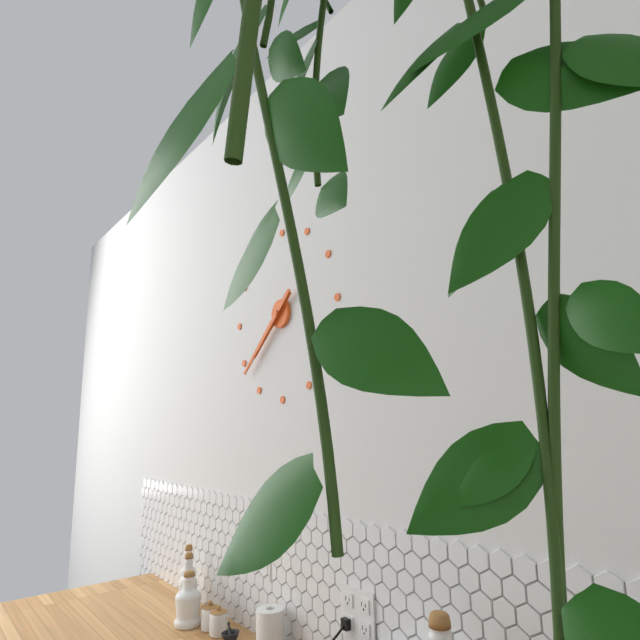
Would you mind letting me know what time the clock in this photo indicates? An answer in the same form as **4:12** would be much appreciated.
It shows **7:38**
